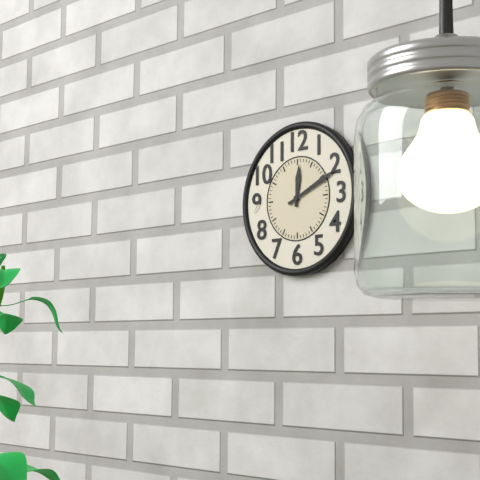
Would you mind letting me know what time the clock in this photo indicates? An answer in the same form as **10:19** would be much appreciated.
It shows **12:11**
